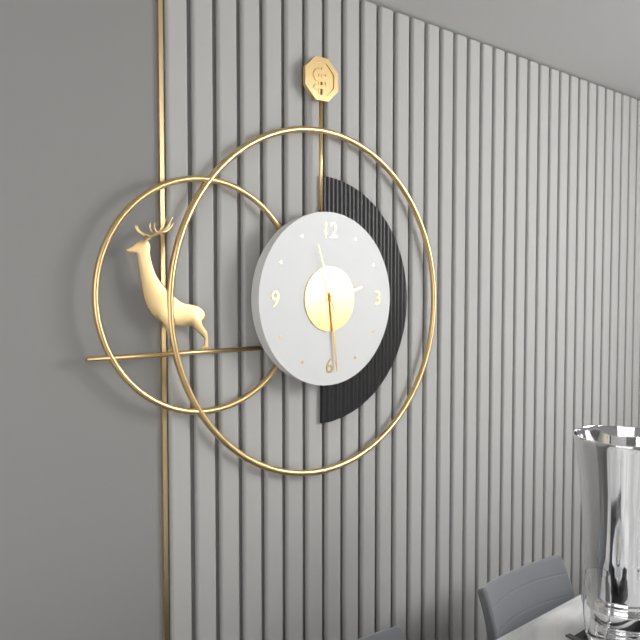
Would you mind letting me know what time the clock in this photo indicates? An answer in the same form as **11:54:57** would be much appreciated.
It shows **2:29:57**
